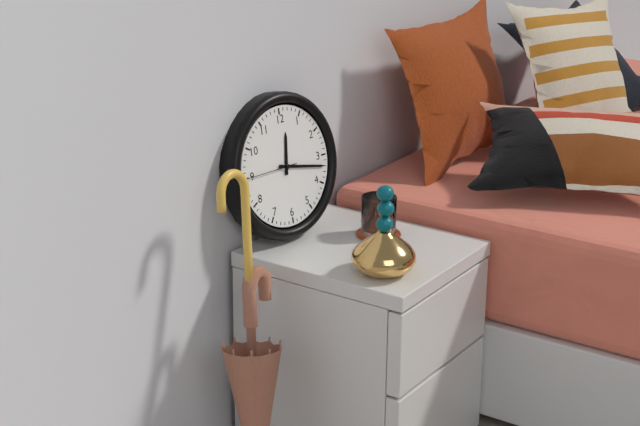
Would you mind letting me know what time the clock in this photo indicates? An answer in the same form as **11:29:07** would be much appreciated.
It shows **12:17:45**
